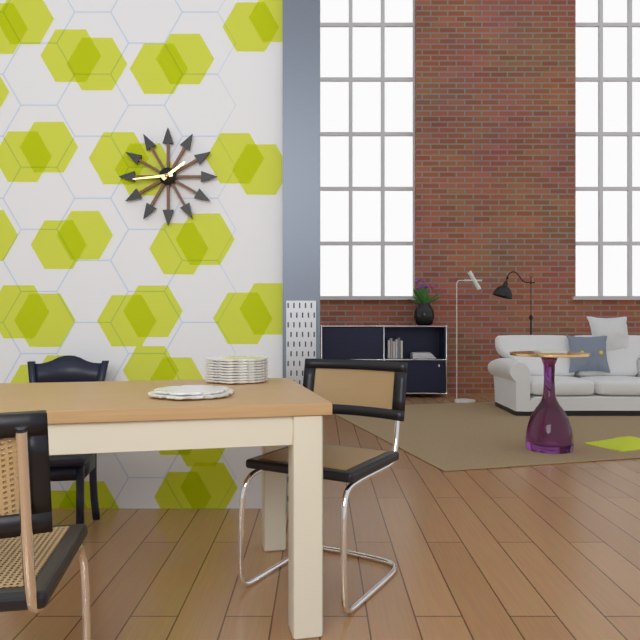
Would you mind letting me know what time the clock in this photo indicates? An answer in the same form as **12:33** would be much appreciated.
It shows **1:44**
